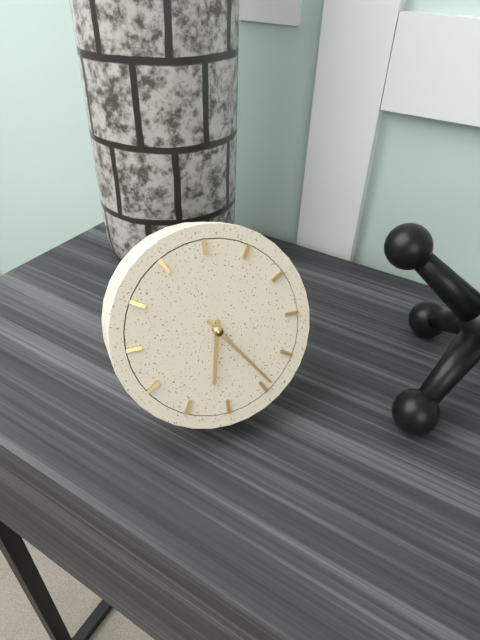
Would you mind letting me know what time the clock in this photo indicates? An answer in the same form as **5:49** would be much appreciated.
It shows **6:24**
